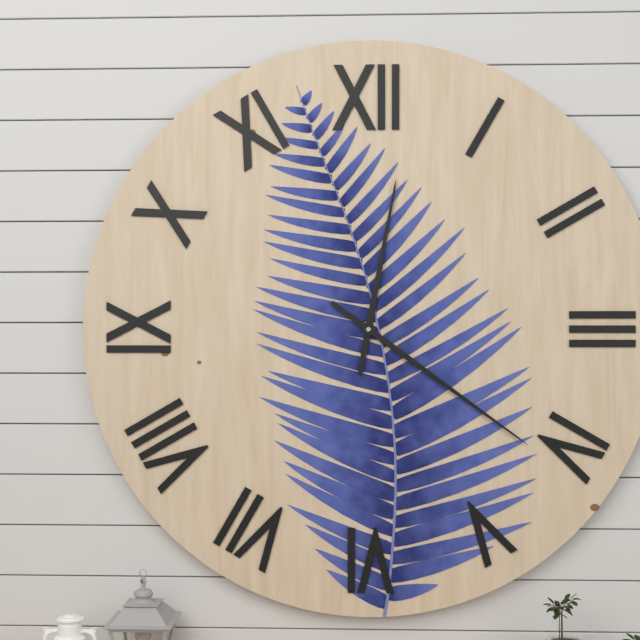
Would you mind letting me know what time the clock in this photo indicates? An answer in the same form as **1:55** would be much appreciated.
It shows **12:21**
